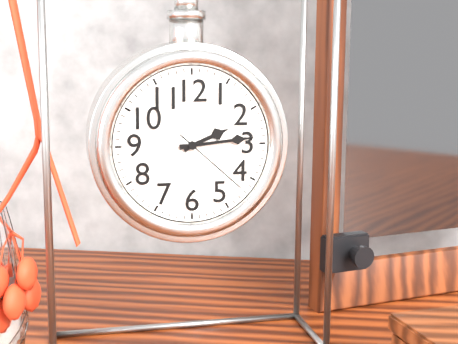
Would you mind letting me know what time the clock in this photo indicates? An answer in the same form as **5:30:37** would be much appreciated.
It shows **2:14:22**
